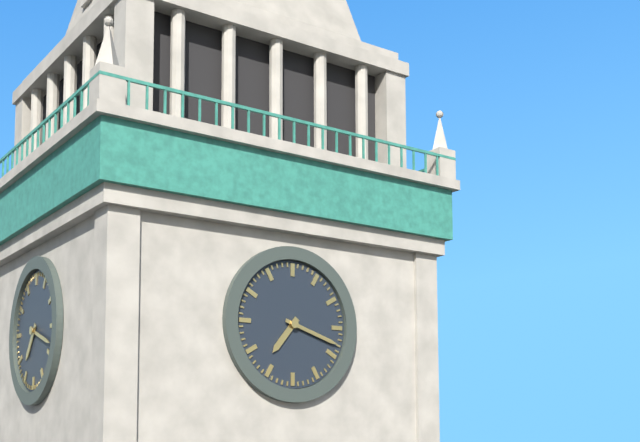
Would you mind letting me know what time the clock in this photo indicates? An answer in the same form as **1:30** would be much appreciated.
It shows **7:18**
